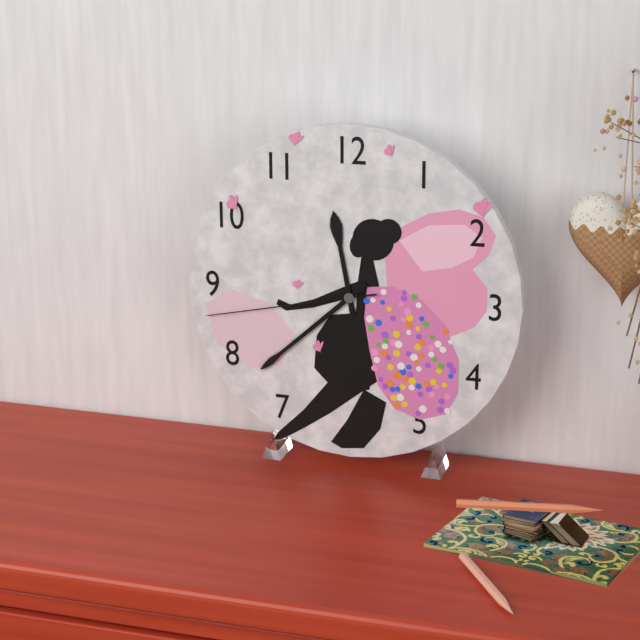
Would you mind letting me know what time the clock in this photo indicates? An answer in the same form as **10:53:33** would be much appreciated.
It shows **11:38:43**
